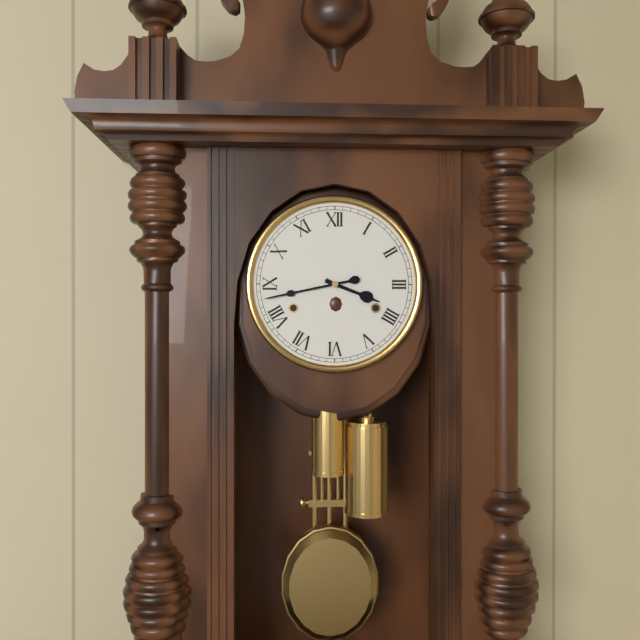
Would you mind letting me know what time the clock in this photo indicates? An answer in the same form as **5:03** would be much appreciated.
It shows **3:43**
